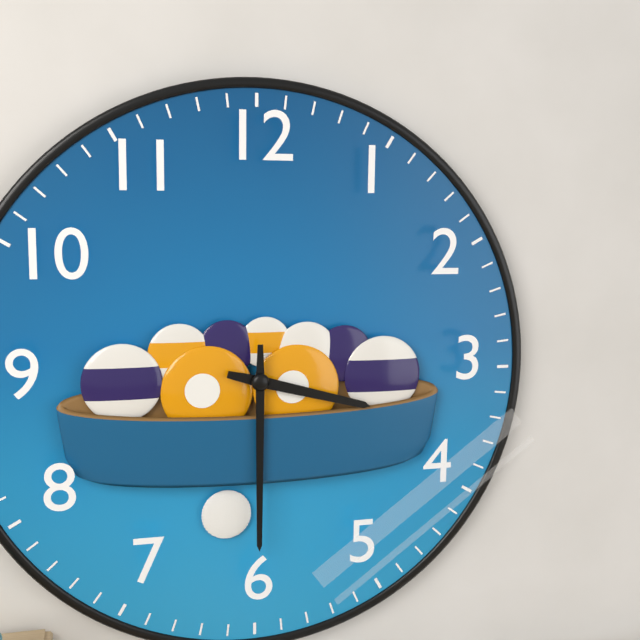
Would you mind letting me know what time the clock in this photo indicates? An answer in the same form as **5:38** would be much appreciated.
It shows **3:30**
